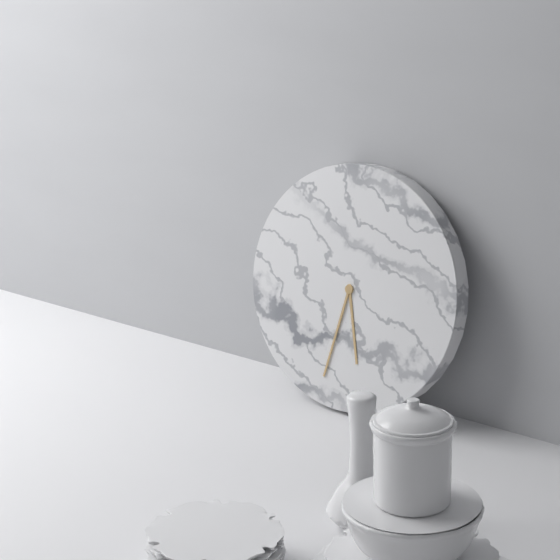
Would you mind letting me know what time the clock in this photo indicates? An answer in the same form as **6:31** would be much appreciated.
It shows **5:32**
